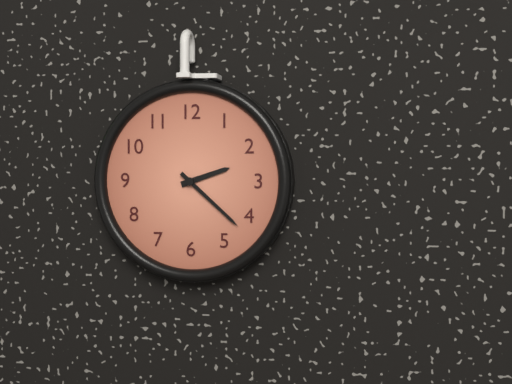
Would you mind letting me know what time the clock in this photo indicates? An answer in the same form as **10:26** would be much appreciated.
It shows **2:22**
